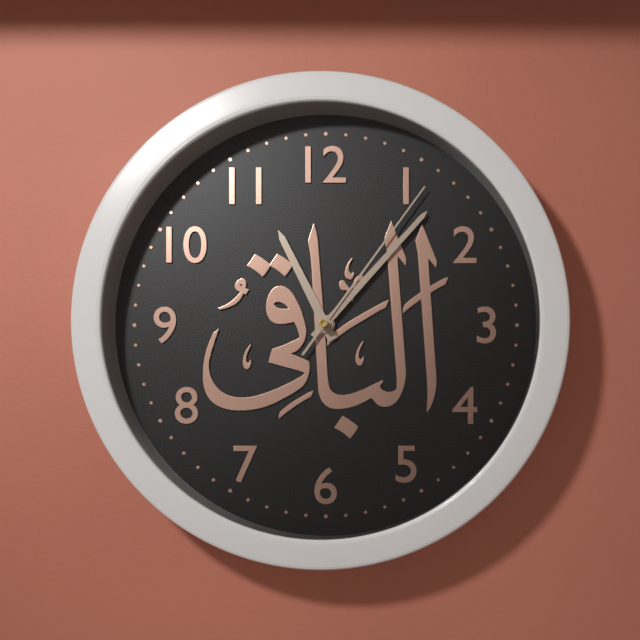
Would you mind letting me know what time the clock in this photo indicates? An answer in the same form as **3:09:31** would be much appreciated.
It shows **11:07:06**
